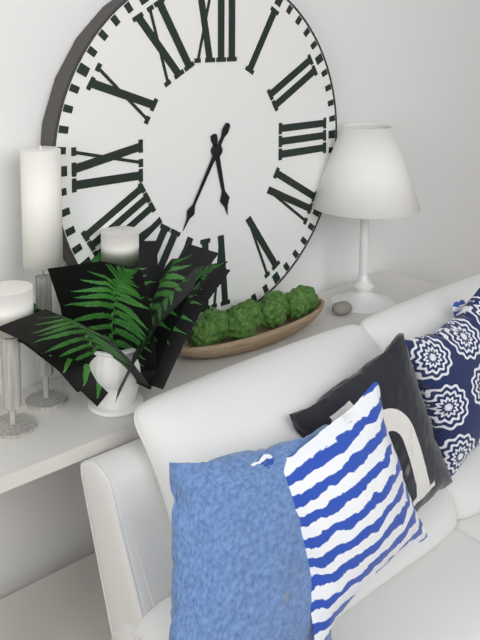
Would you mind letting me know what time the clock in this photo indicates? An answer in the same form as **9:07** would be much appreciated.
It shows **5:35**
